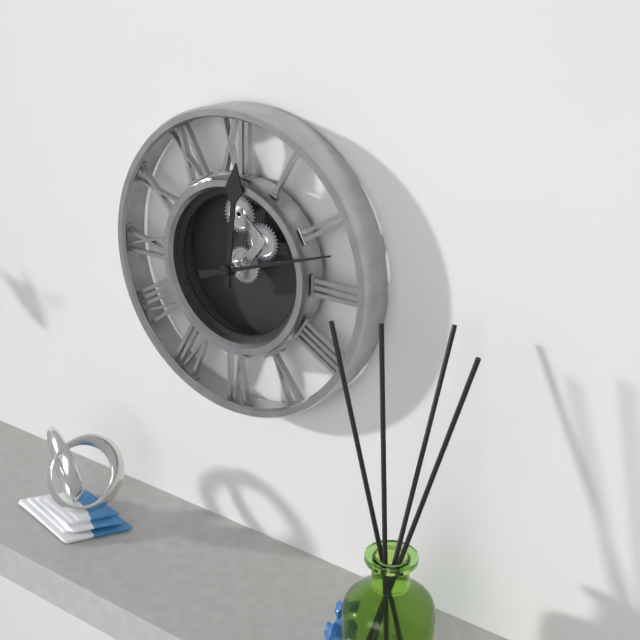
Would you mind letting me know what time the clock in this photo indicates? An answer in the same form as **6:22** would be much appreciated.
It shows **12:12**
